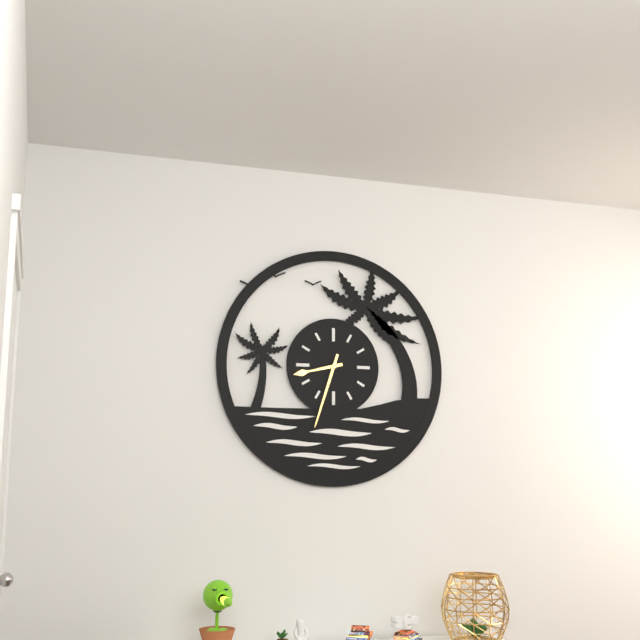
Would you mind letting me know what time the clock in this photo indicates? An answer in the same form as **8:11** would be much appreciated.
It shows **8:33**
